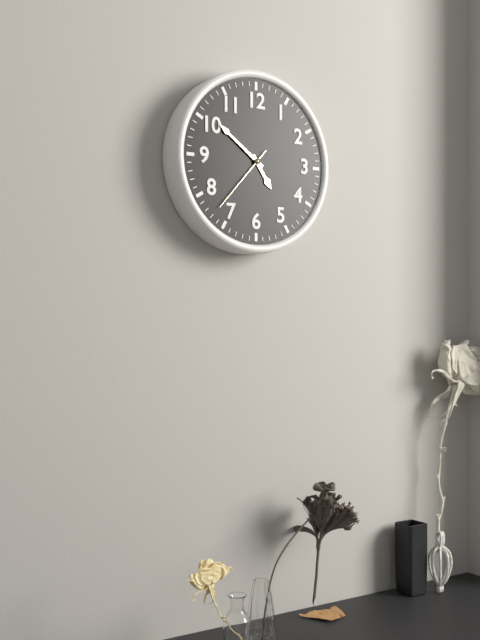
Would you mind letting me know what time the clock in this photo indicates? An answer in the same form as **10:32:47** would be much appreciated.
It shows **4:51:37**
